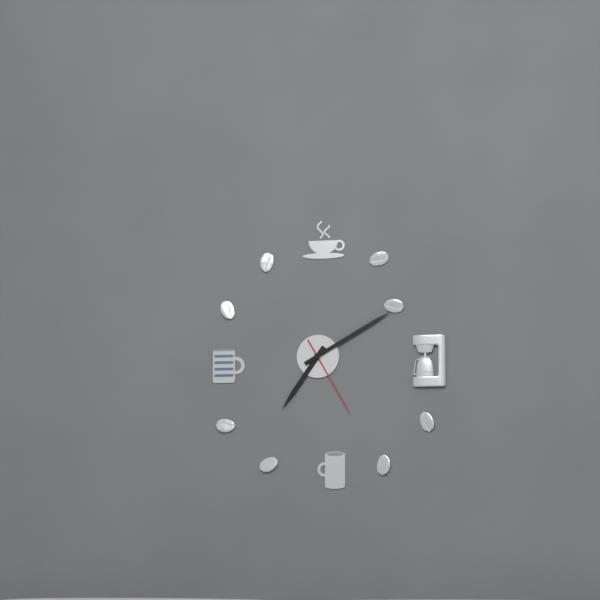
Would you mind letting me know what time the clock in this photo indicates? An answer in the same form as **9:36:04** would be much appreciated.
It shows **7:10:25**
